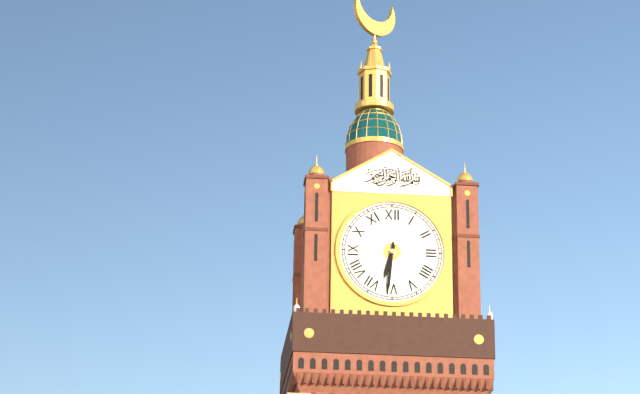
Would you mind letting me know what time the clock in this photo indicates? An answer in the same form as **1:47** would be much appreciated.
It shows **6:31**
